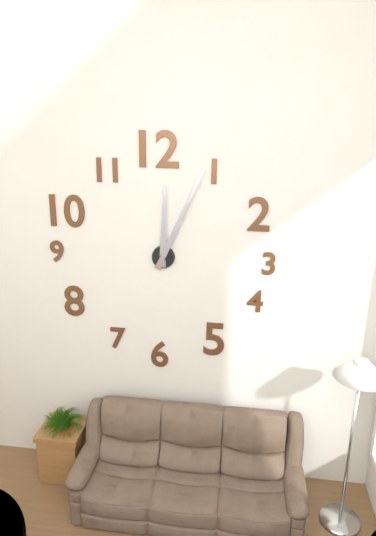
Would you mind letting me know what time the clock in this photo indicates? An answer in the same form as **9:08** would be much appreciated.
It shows **12:04**
